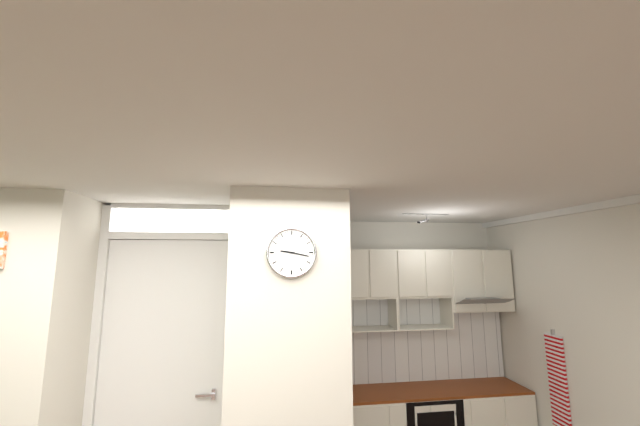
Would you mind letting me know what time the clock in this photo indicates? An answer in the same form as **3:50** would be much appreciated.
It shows **9:17**
